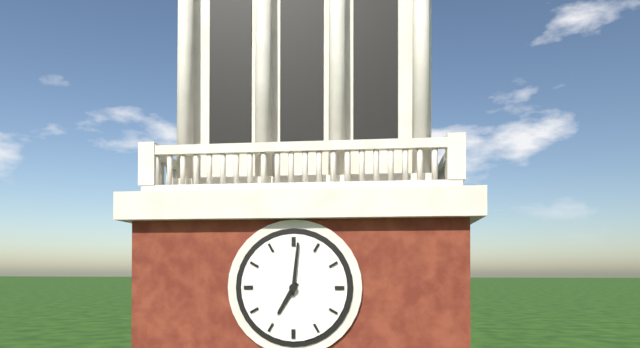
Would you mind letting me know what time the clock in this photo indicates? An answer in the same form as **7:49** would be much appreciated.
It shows **7:01**
